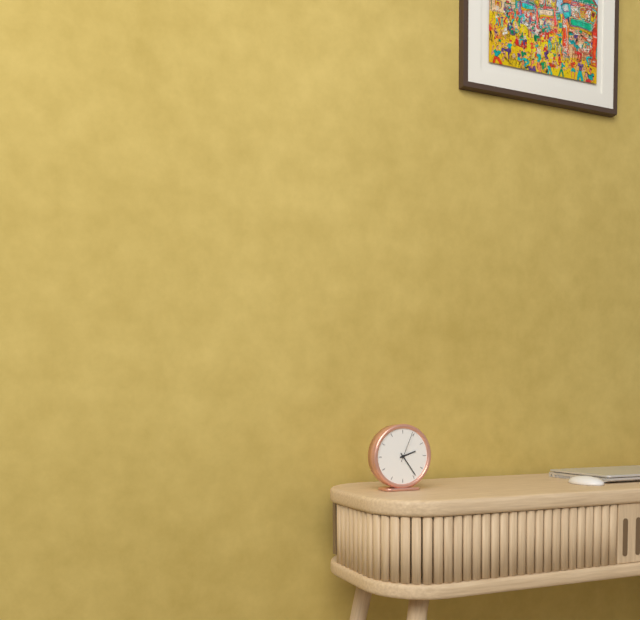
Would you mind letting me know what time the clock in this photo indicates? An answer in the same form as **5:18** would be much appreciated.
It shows **2:24**
